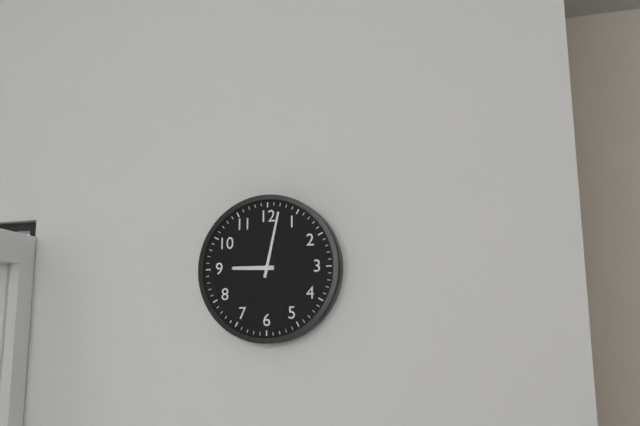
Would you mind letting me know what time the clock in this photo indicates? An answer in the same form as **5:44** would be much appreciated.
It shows **9:02**
